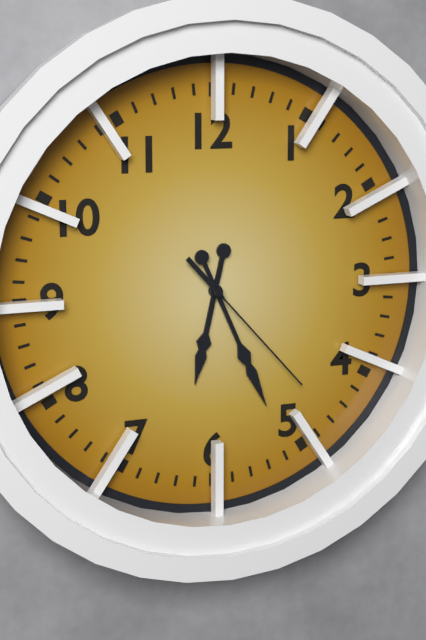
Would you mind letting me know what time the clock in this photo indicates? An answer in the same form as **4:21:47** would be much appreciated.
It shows **6:26:23**
